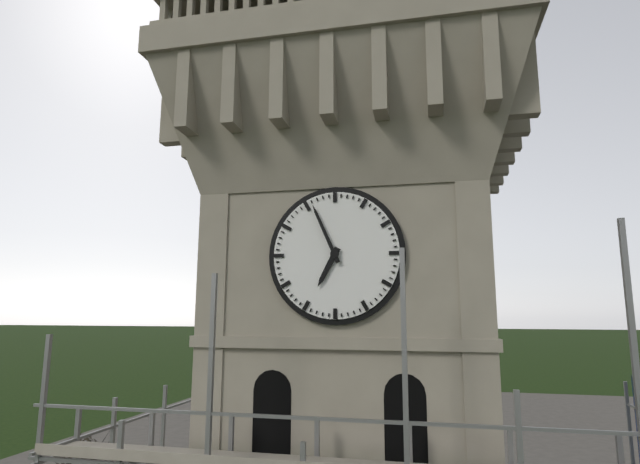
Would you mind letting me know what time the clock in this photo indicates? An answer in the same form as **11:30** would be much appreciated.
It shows **6:56**
